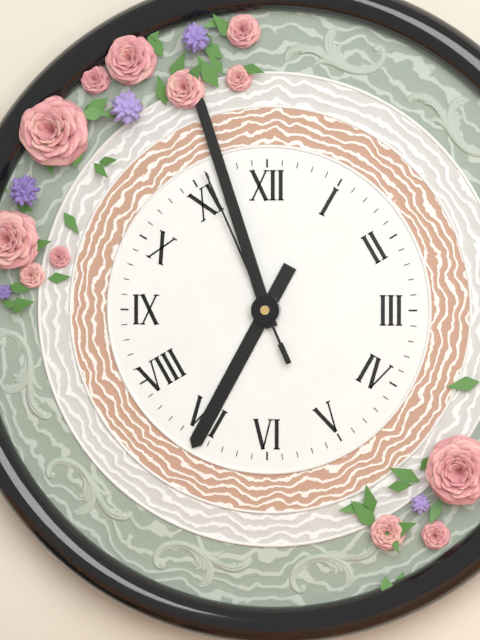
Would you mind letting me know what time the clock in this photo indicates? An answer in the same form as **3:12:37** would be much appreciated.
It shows **6:57:56**
